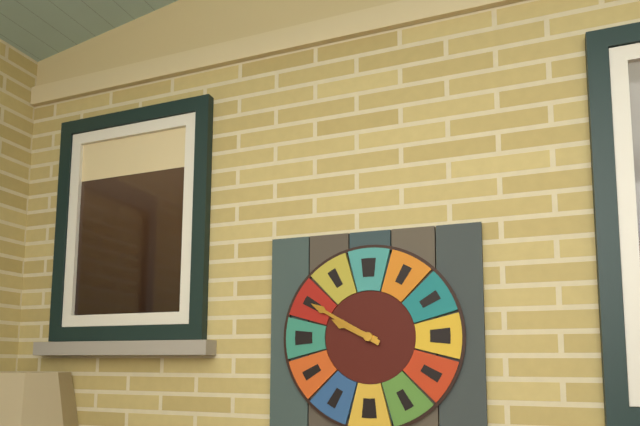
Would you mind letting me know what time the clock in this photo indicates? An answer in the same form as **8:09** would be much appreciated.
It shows **9:50**
